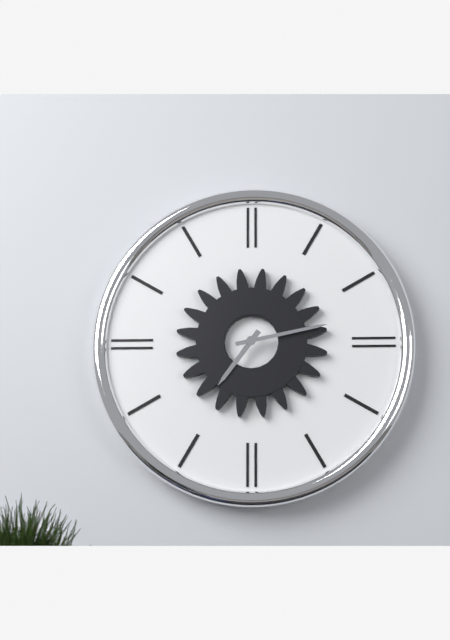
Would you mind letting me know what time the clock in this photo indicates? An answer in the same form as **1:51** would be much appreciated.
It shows **7:13**
